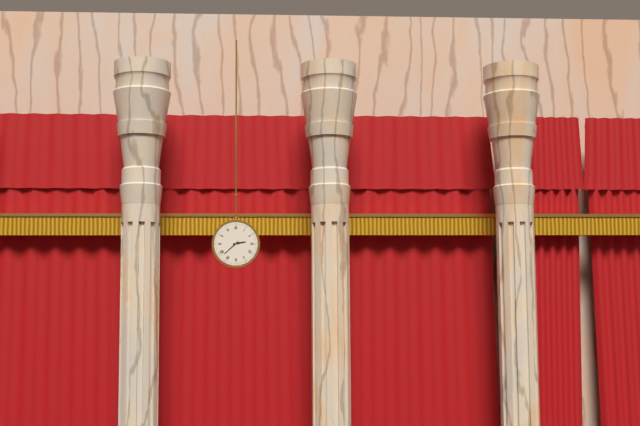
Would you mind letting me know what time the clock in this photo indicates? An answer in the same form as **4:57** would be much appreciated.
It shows **2:38**
